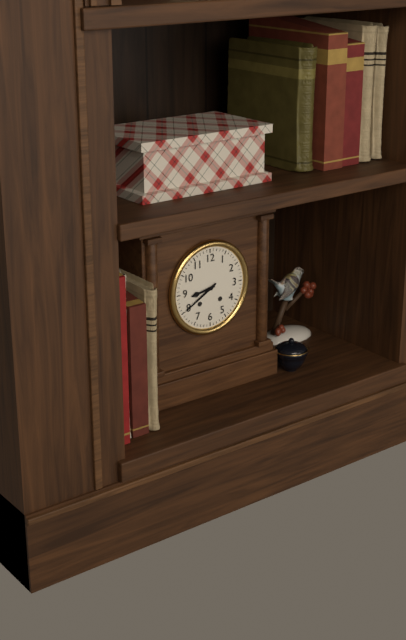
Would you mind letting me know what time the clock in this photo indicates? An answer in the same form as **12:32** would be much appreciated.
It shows **8:40**
